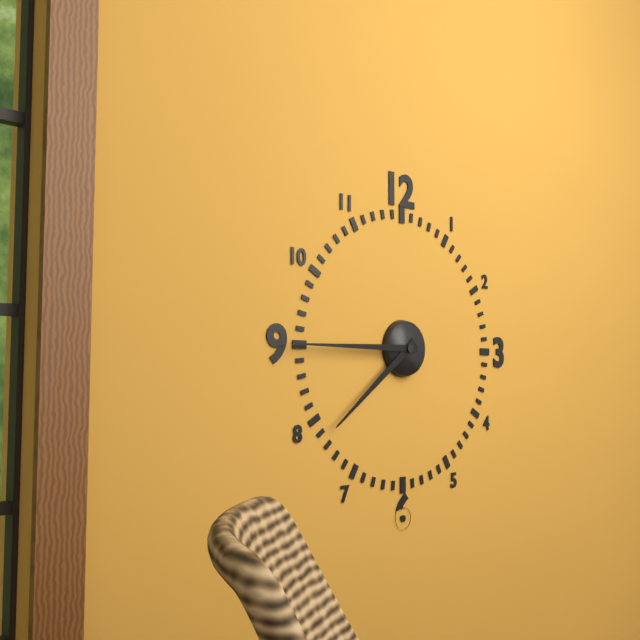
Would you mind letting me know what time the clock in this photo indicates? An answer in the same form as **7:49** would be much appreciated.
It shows **7:45**
